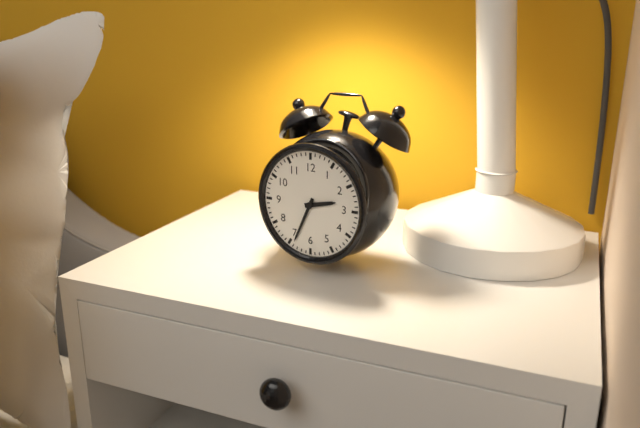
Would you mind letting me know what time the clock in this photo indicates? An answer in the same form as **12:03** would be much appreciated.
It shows **2:34**
